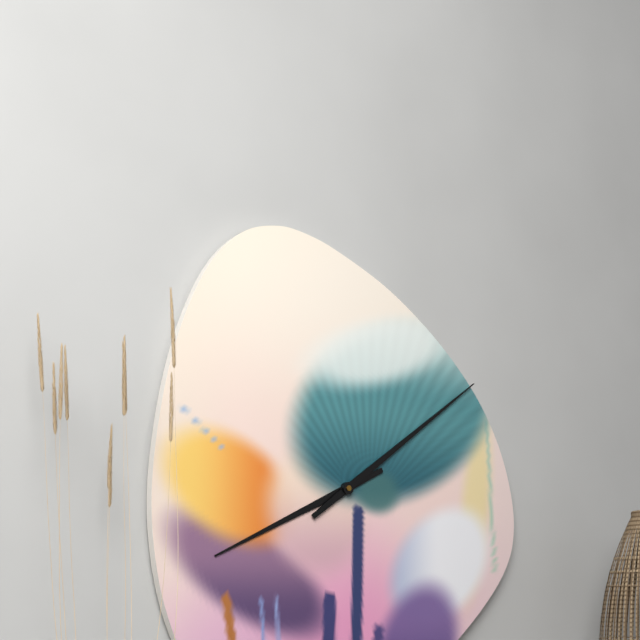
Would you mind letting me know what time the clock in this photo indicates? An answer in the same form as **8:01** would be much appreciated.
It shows **8:09**
